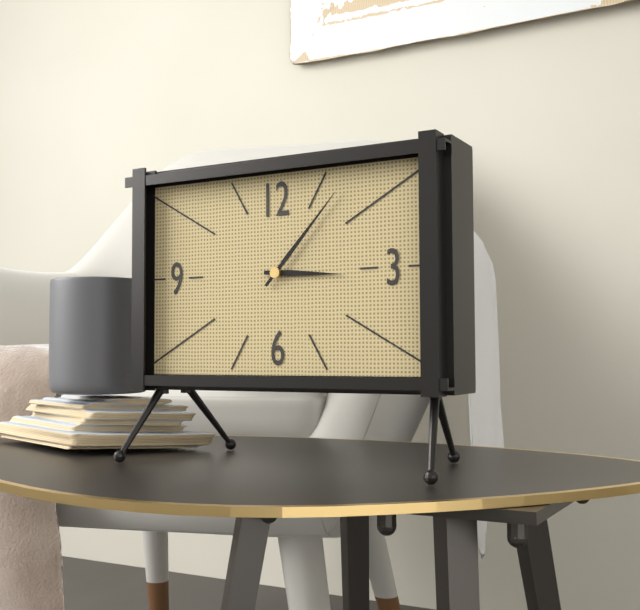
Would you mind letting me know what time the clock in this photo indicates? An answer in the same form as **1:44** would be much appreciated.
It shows **3:07**
